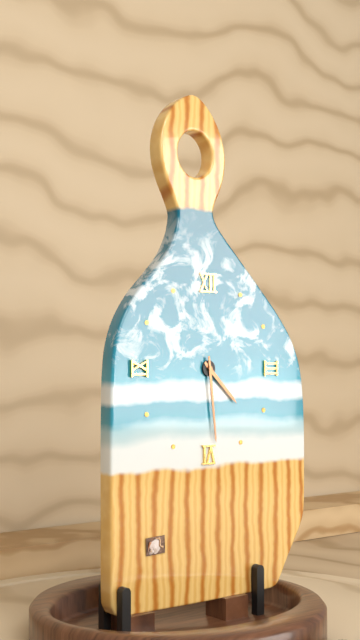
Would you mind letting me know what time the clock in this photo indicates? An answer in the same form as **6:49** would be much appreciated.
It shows **4:29**
